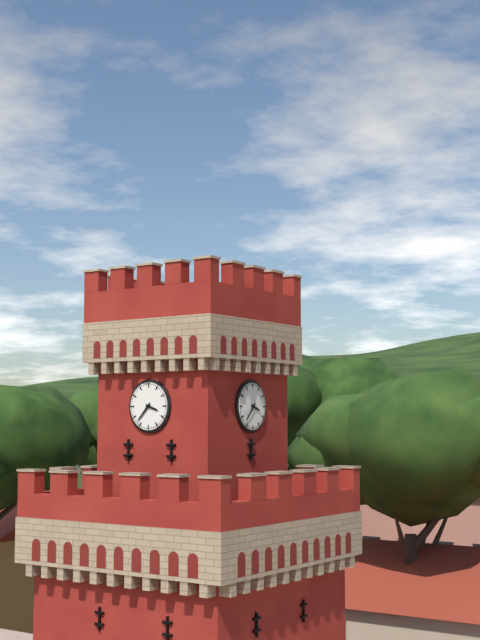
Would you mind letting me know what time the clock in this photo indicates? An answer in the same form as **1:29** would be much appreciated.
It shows **3:37**
